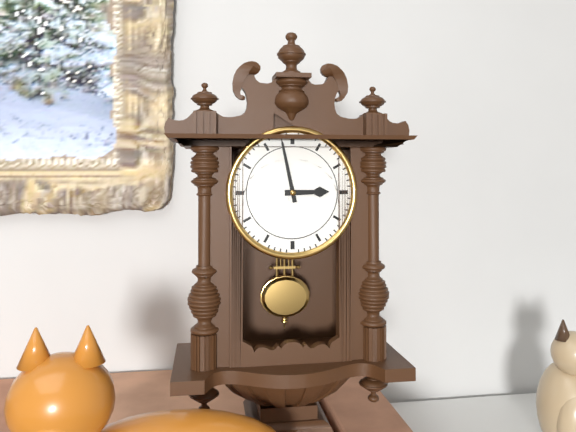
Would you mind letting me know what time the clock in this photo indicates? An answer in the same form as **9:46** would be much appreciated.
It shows **2:58**
